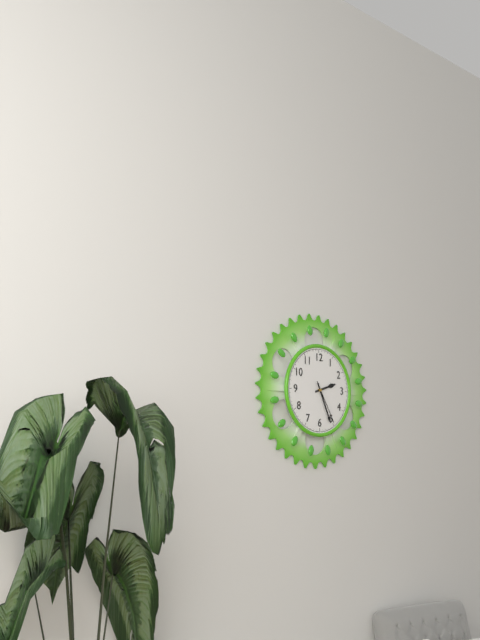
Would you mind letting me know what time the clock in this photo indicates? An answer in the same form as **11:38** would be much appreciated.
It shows **2:26**
